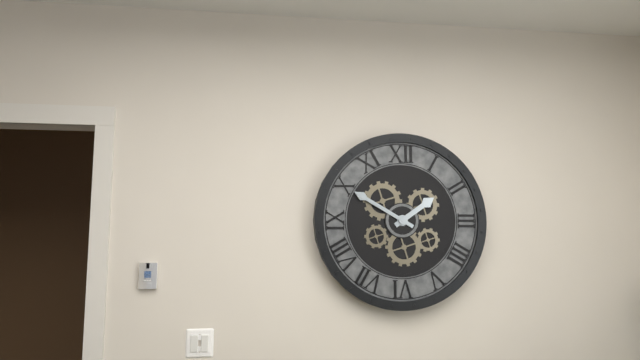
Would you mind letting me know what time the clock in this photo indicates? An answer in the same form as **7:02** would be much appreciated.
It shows **1:50**
